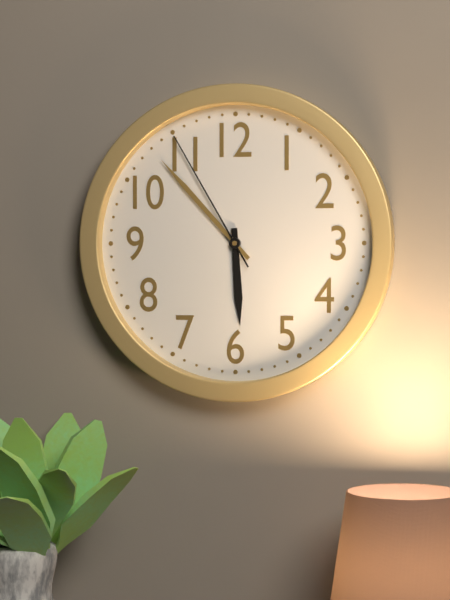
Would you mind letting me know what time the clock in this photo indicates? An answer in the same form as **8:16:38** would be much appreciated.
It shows **5:53:55**
